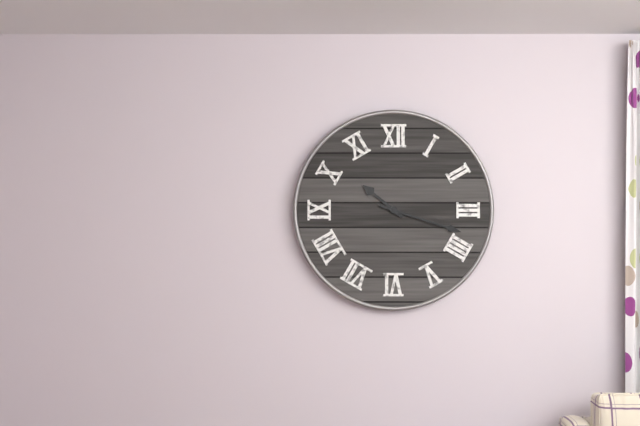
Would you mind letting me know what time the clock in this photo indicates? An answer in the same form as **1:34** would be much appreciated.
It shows **10:18**
